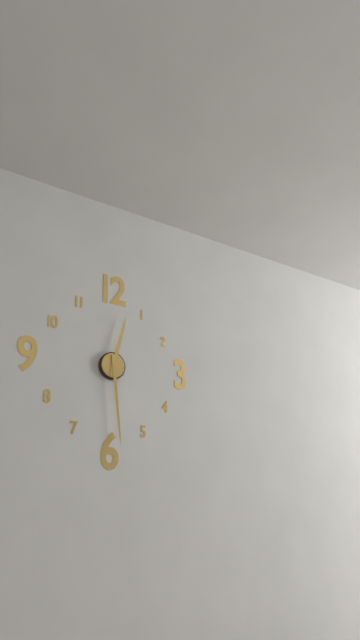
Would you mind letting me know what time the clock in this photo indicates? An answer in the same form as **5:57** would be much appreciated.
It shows **12:29**
